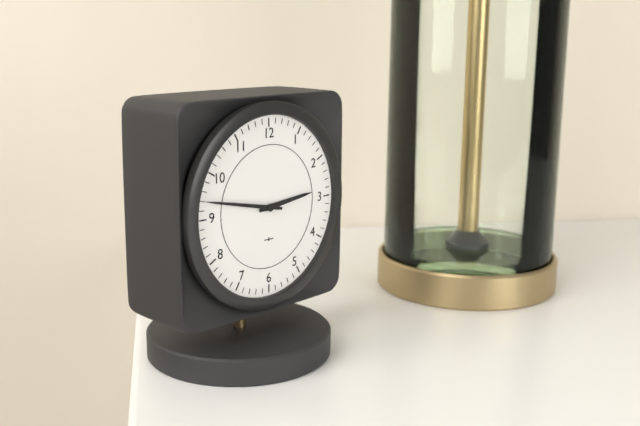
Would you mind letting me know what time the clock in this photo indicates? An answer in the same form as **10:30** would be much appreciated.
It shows **2:47**
